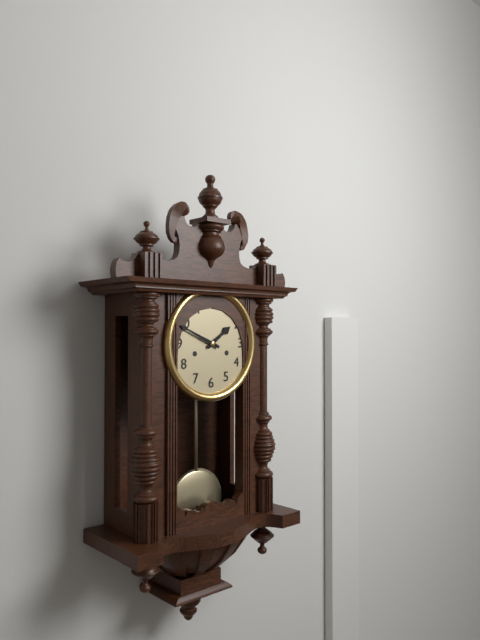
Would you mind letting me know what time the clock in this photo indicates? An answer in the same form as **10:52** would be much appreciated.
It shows **1:49**
